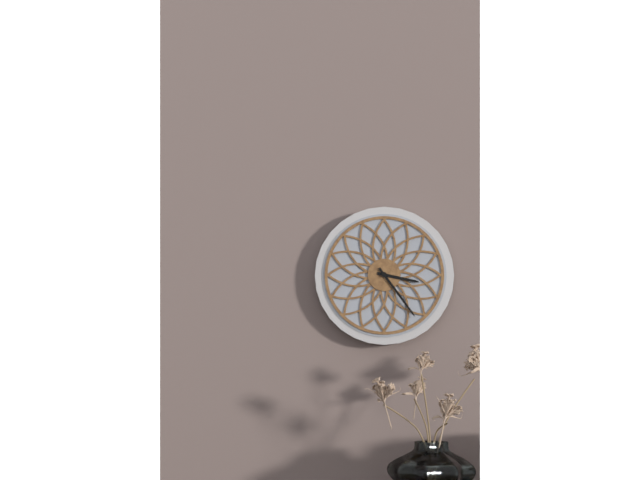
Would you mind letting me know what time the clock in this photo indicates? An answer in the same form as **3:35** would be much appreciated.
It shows **3:24**
